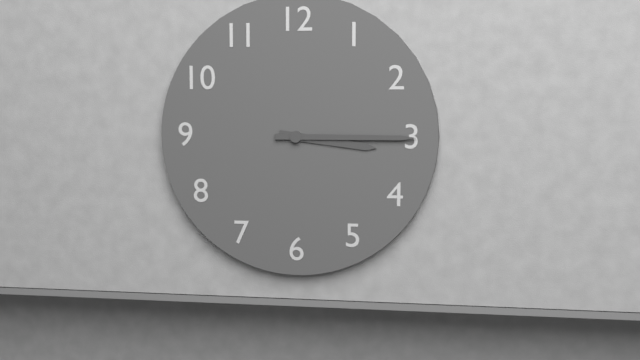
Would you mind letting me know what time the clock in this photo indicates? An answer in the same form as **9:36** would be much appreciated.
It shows **3:15**
